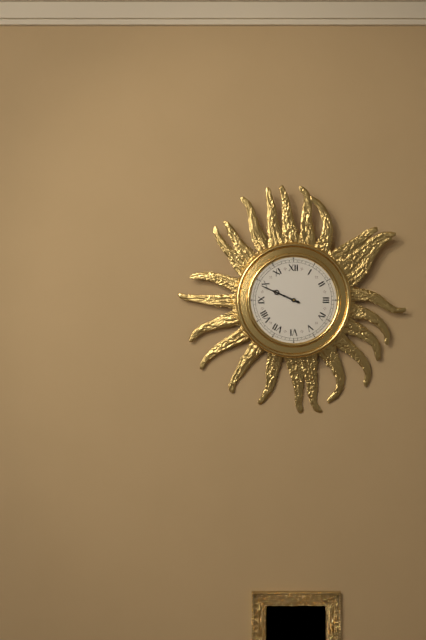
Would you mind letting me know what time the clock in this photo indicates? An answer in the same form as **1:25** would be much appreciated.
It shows **9:49**
